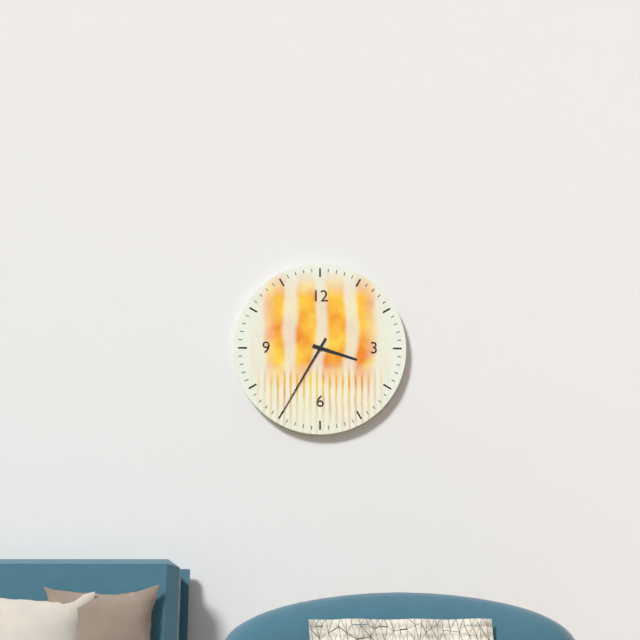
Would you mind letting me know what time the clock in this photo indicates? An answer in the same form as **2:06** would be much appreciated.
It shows **3:35**
